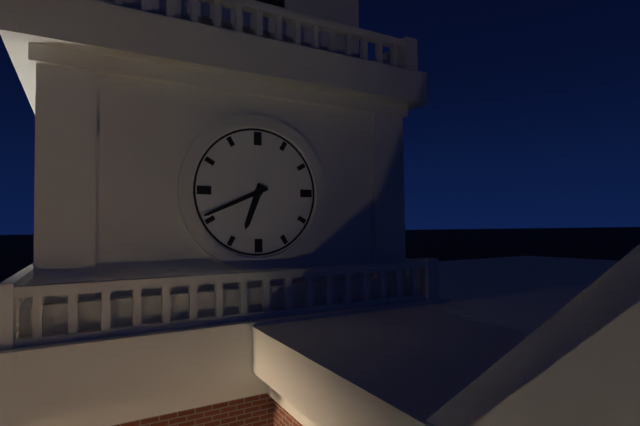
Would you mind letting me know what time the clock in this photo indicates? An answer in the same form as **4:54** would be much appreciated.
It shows **6:41**
